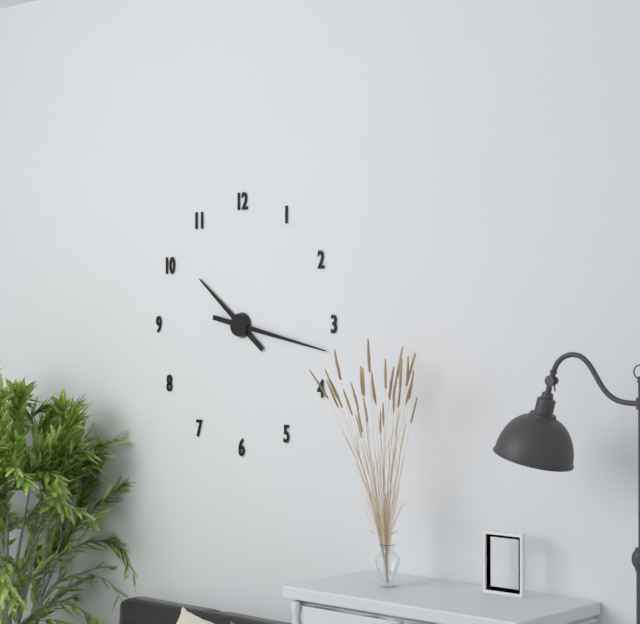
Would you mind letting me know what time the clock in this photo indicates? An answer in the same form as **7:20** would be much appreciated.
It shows **10:17**
